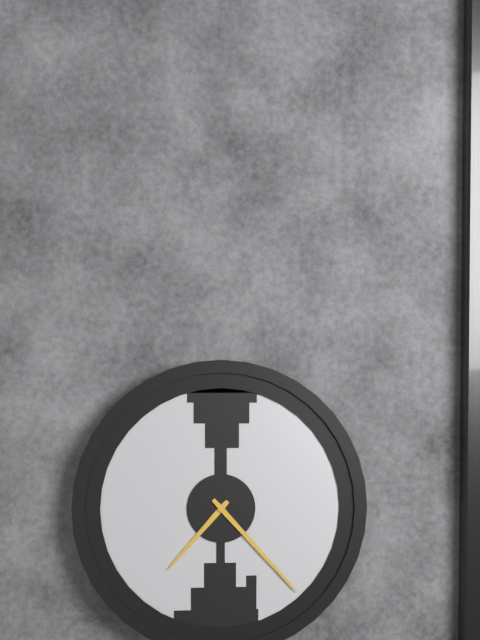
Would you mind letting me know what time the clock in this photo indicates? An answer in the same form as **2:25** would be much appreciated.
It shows **7:23**
